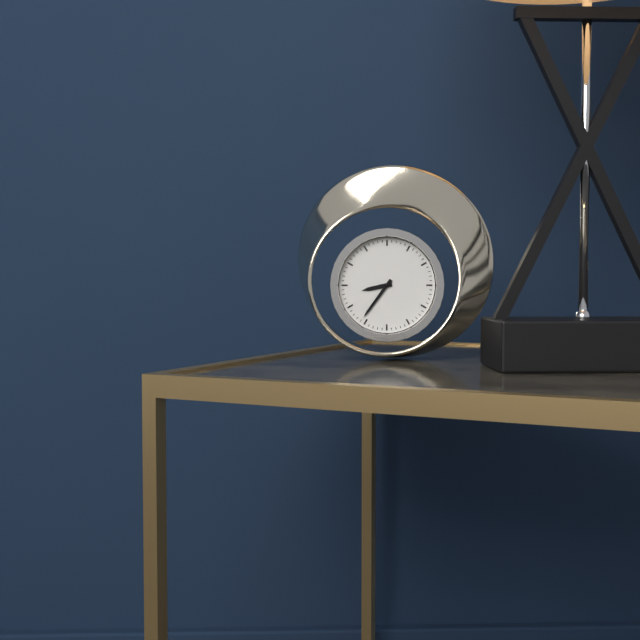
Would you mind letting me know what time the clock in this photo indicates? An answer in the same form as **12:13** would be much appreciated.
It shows **8:36**
